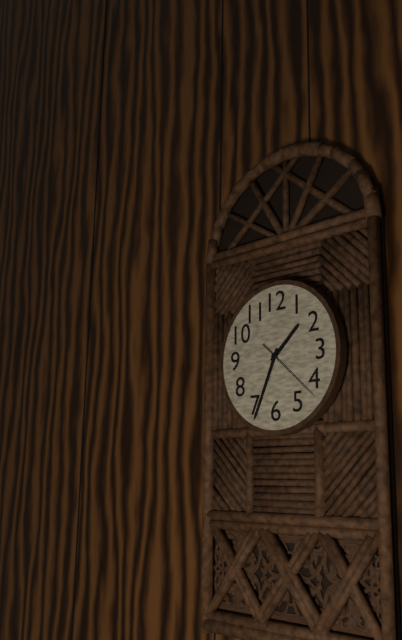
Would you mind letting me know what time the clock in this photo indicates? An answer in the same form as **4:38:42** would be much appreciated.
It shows **1:34:22**
